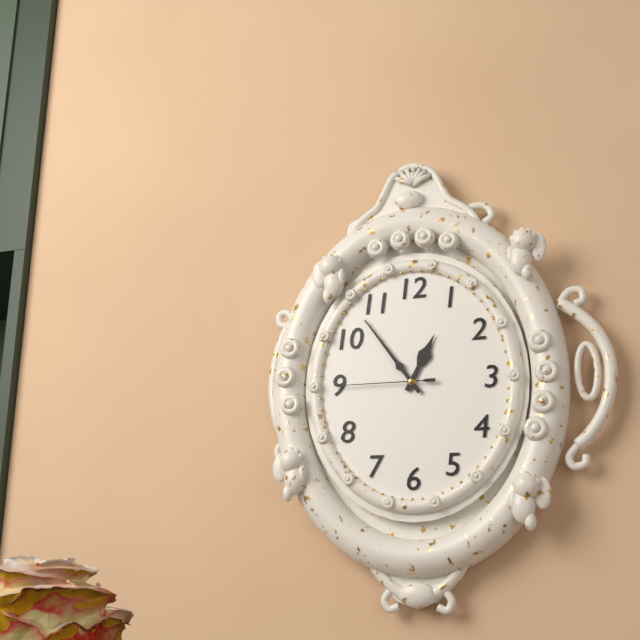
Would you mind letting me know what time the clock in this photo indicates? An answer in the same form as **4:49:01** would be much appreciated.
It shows **12:54:45**
